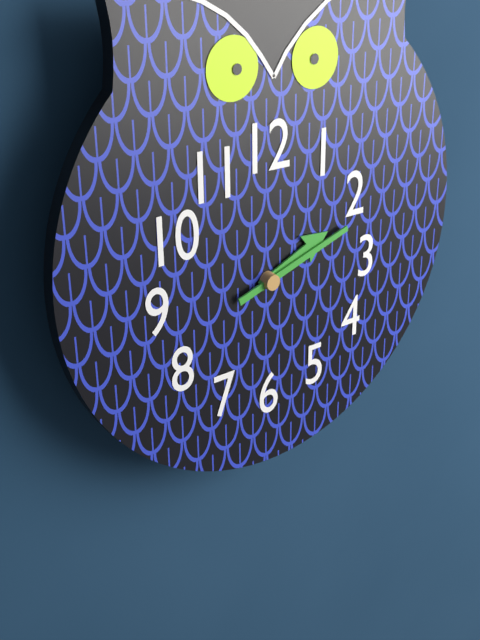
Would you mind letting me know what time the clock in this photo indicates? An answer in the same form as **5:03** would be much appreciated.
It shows **2:12**
